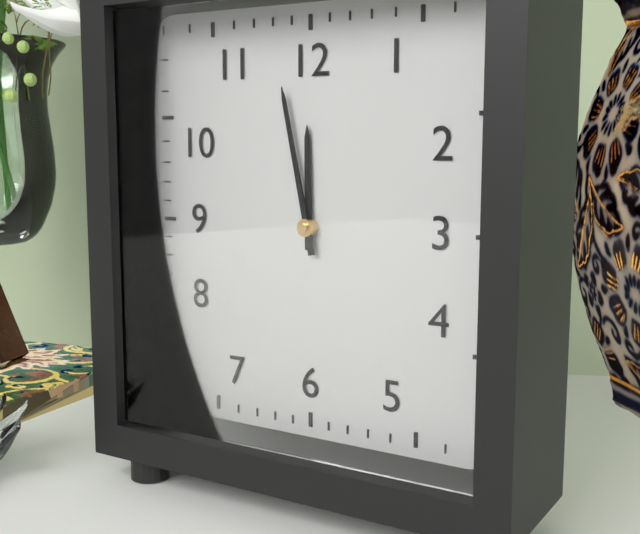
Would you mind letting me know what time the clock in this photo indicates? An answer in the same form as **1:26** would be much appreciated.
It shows **11:58**
